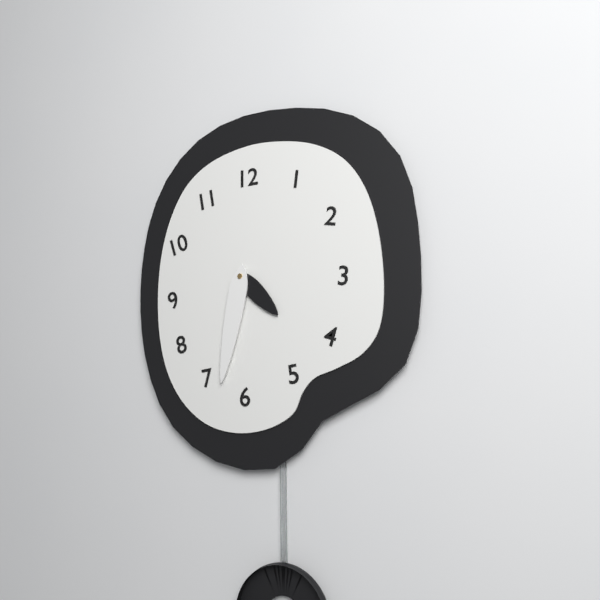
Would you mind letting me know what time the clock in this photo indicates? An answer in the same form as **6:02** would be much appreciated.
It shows **4:32**
